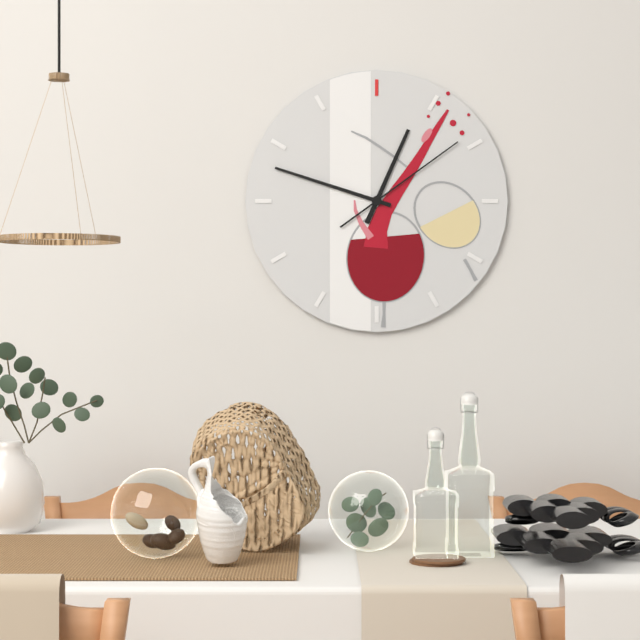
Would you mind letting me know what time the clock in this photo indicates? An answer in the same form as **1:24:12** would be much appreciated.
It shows **12:48:09**
